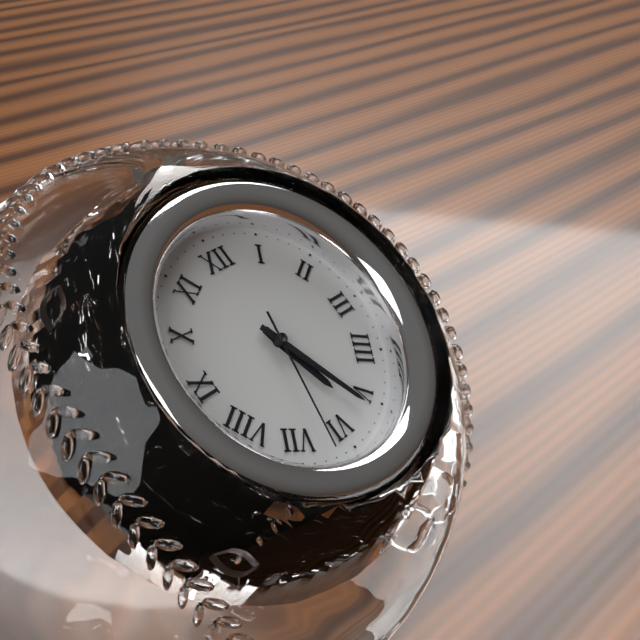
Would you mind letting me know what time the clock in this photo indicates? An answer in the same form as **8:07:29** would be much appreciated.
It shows **5:26:32**
